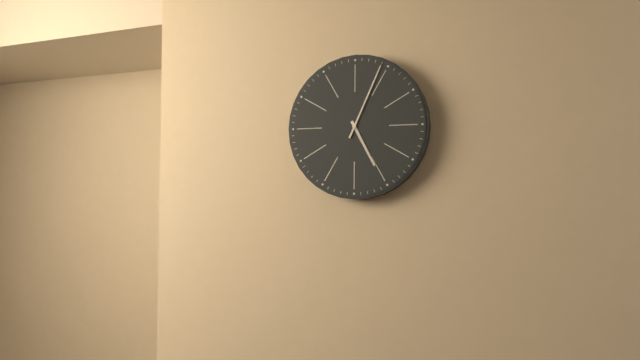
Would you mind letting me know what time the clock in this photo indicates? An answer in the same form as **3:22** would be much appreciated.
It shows **5:04**
